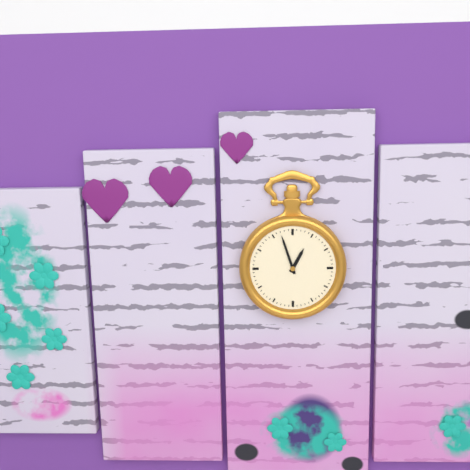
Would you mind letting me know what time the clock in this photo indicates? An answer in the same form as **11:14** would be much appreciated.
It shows **12:57**
